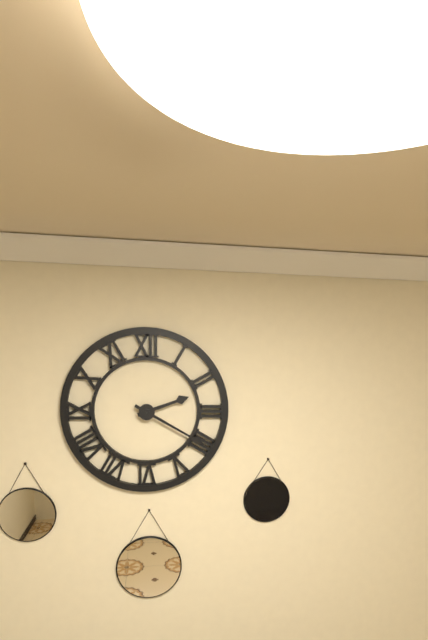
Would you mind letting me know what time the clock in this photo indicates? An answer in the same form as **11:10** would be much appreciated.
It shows **2:20**
